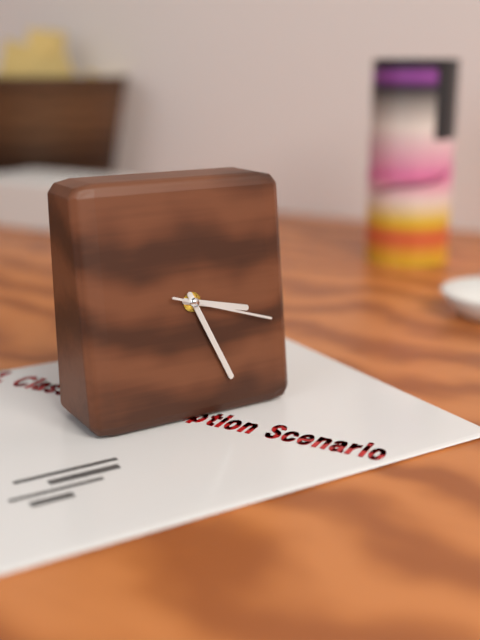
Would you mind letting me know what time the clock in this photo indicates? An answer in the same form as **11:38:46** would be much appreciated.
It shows **3:26:18**
